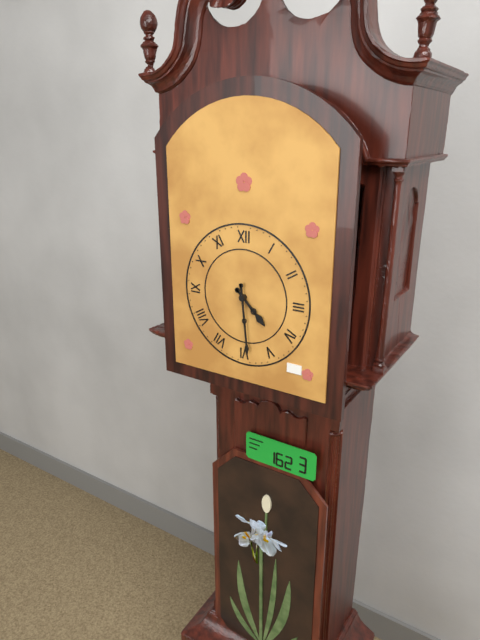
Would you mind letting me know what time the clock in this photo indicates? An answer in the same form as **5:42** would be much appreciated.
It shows **4:29**
